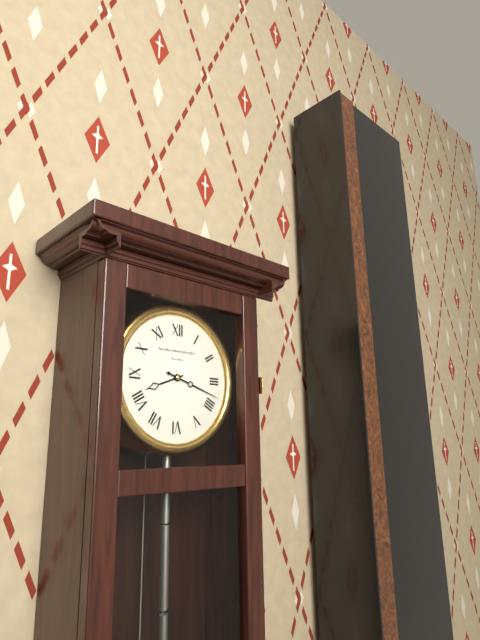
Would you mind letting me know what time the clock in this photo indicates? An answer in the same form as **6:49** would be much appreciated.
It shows **8:18**
